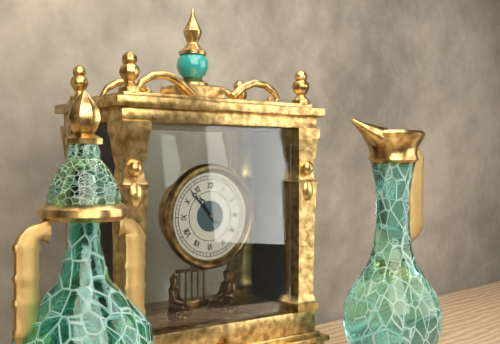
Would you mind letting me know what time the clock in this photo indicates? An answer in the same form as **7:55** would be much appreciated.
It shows **10:53**
